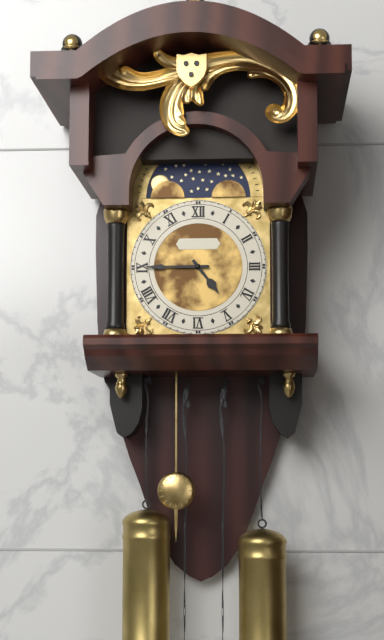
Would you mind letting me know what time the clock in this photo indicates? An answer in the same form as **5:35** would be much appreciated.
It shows **4:45**
